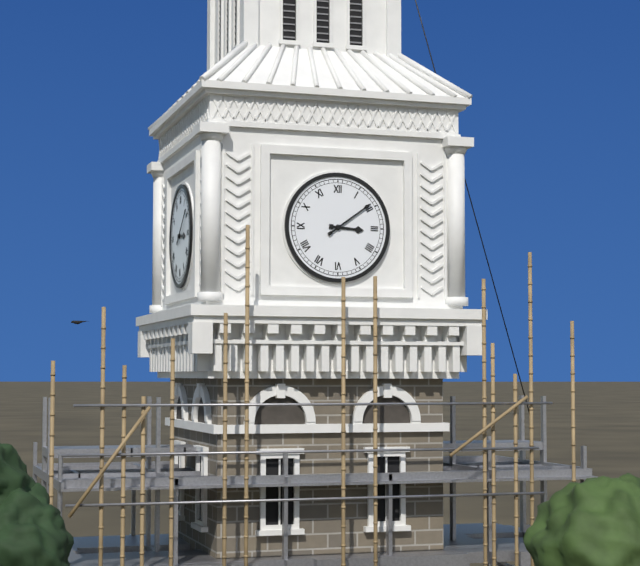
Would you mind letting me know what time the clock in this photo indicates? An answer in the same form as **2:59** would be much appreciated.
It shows **3:09**
